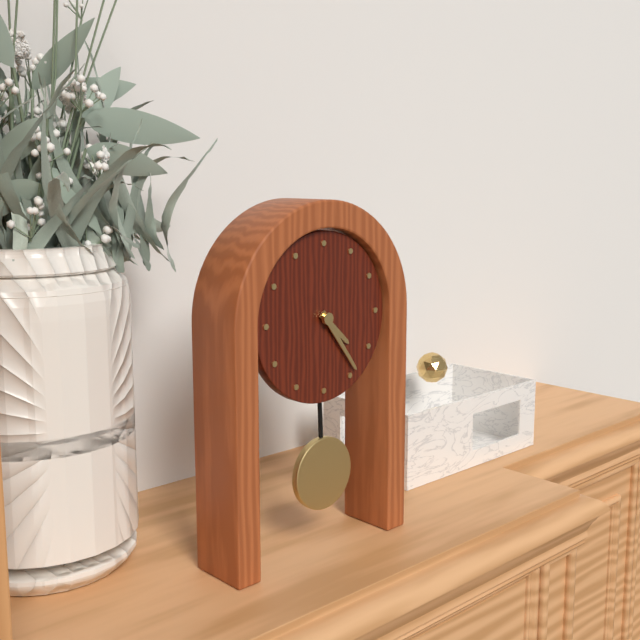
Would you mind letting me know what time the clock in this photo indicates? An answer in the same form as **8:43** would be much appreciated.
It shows **4:24**
